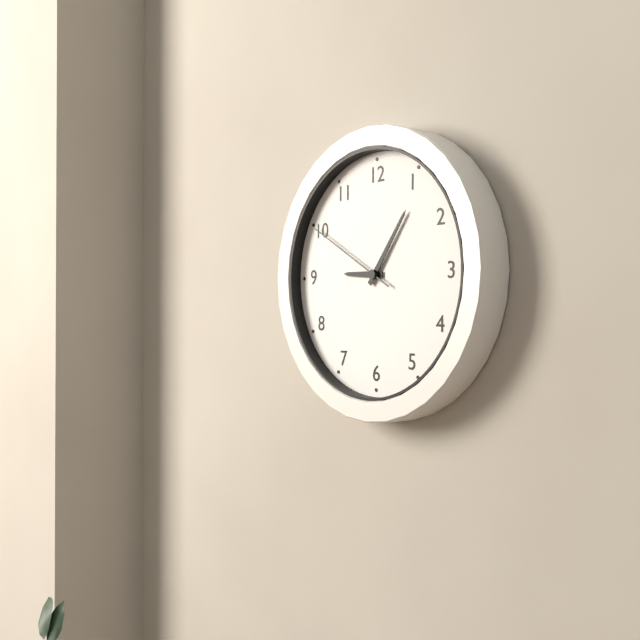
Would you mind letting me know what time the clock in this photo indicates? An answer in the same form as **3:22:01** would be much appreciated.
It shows **9:06:50**
